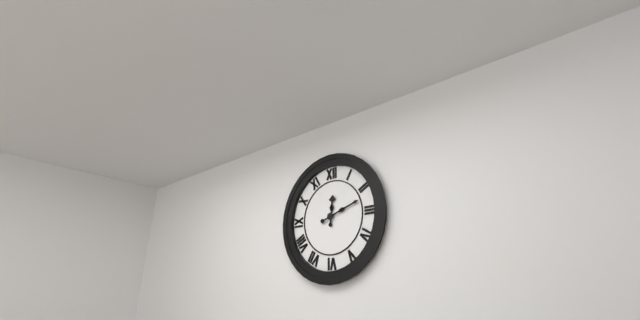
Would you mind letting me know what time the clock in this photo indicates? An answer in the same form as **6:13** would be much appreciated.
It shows **12:12**
